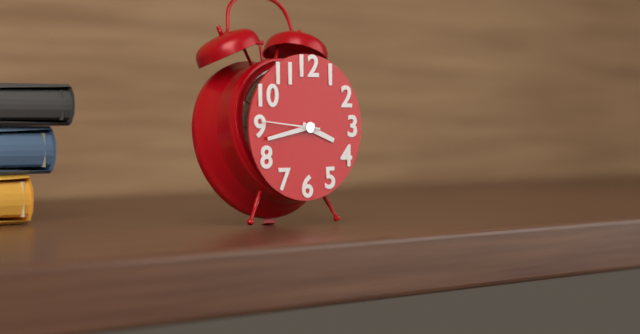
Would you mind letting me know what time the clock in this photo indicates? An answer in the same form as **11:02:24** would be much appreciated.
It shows **3:43:46**
